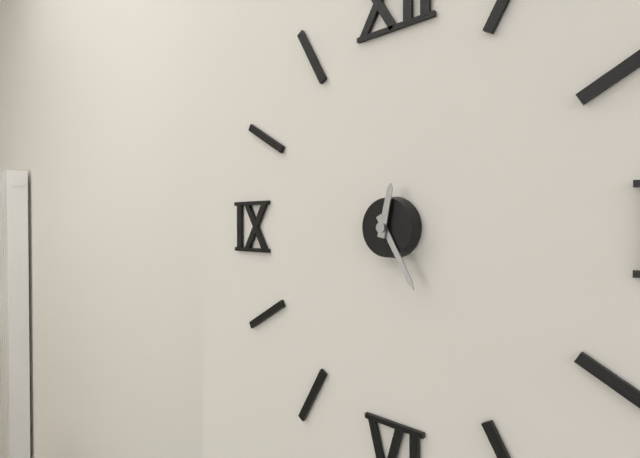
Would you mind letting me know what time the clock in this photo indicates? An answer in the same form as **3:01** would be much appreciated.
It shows **12:25**
